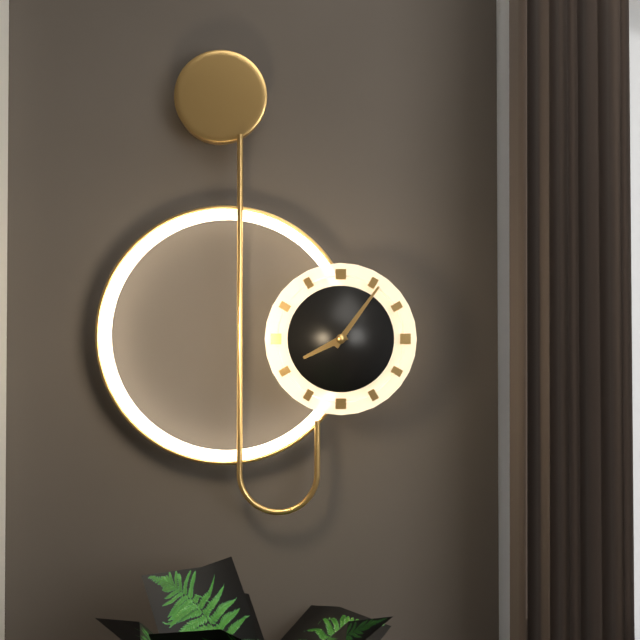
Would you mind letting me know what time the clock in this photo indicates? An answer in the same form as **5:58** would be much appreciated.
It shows **8:06**
